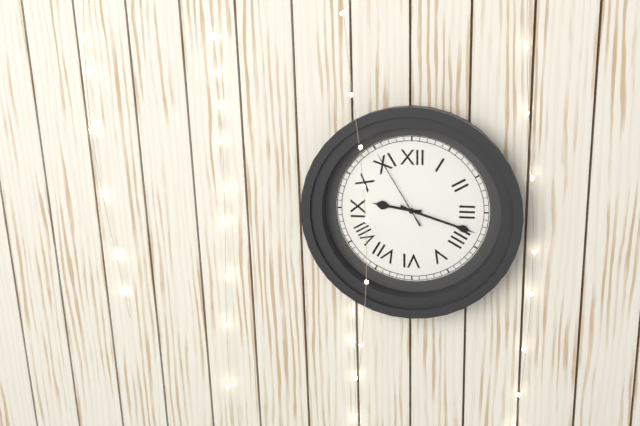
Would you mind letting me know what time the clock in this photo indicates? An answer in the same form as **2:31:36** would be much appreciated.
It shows **9:18:55**
